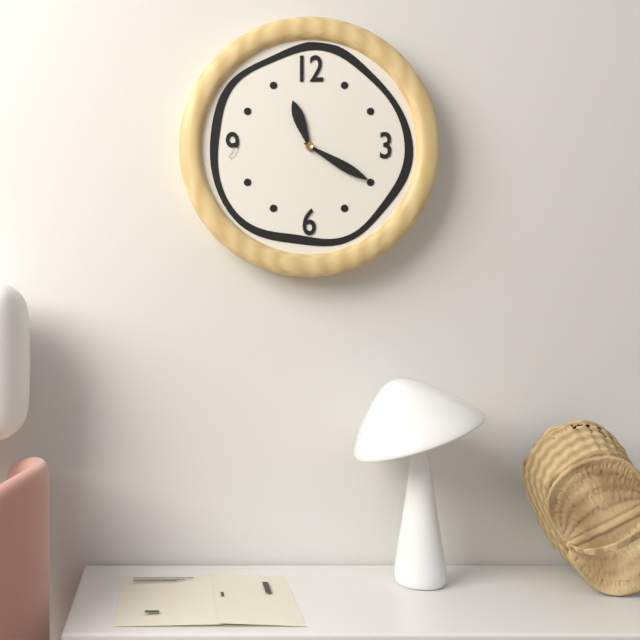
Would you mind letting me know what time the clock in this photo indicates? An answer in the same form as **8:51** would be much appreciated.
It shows **11:20**
